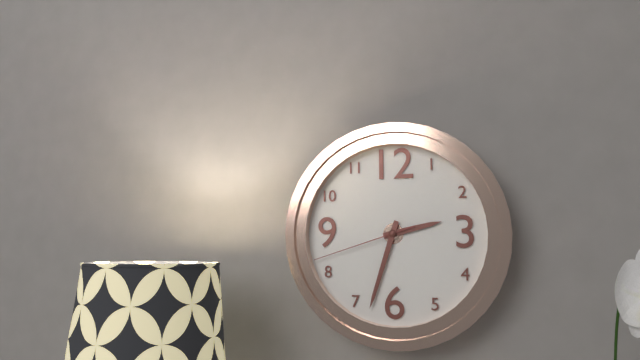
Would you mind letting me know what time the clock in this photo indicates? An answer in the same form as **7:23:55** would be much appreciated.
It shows **2:33:42**
